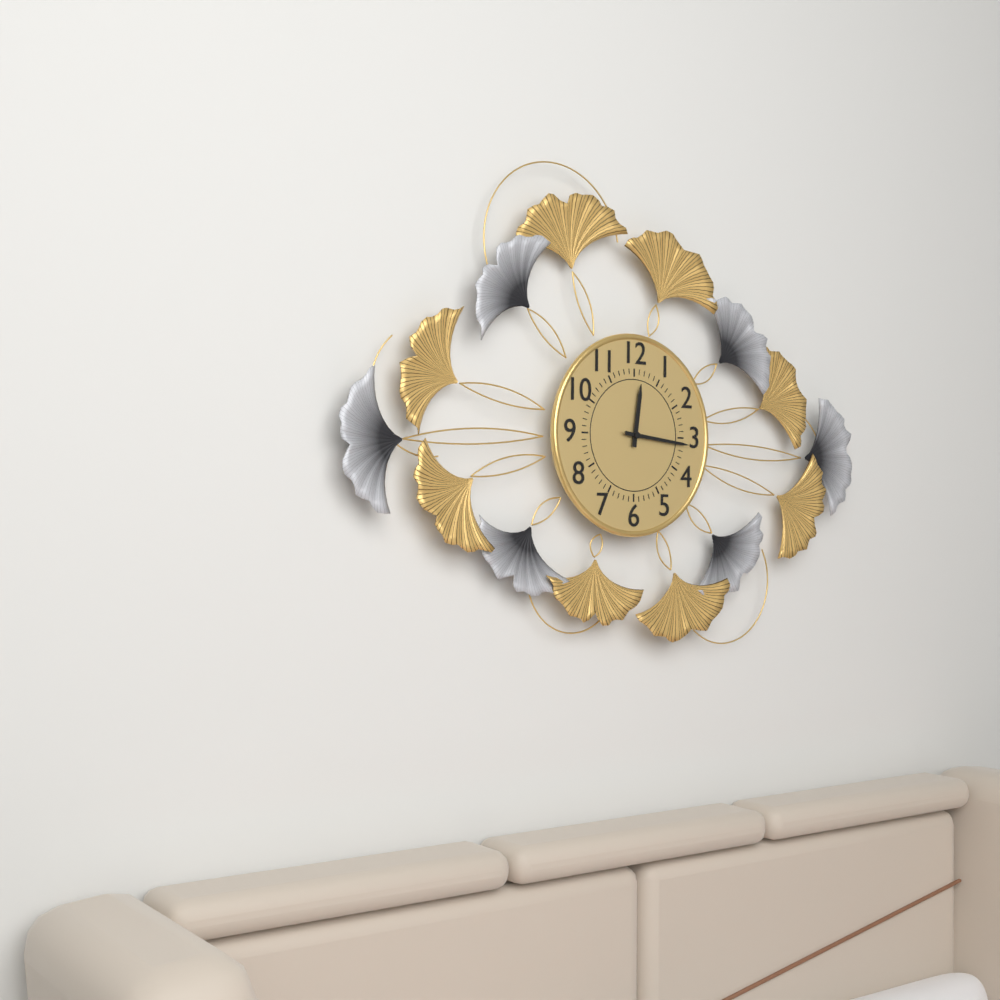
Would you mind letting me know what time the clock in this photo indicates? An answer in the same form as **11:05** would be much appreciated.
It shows **12:16**
